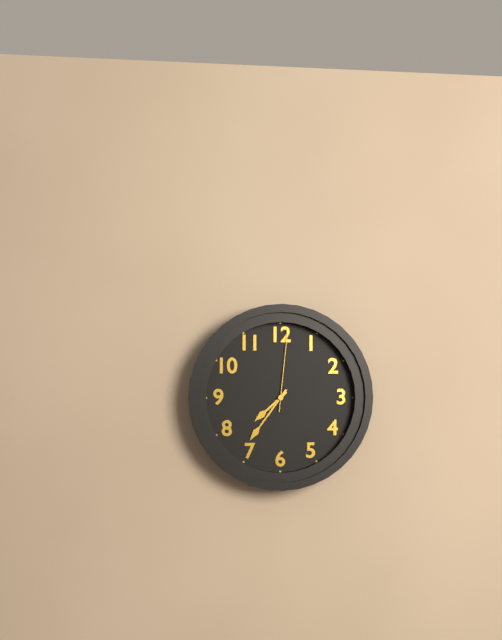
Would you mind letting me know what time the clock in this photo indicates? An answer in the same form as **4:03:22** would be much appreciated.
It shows **7:36:01**
